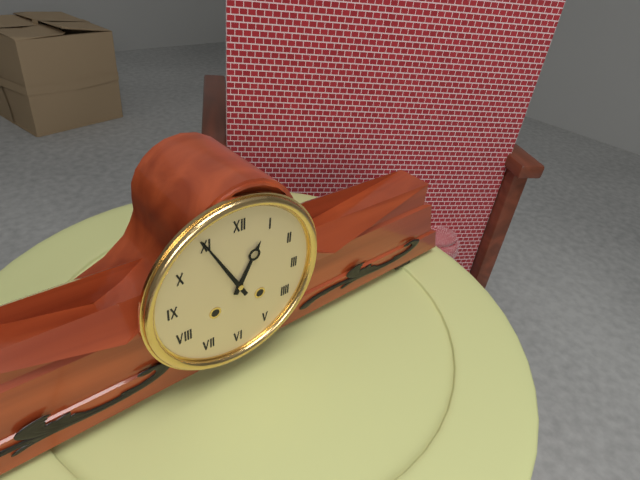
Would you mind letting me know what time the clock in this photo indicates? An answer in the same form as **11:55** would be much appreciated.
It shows **12:55**
